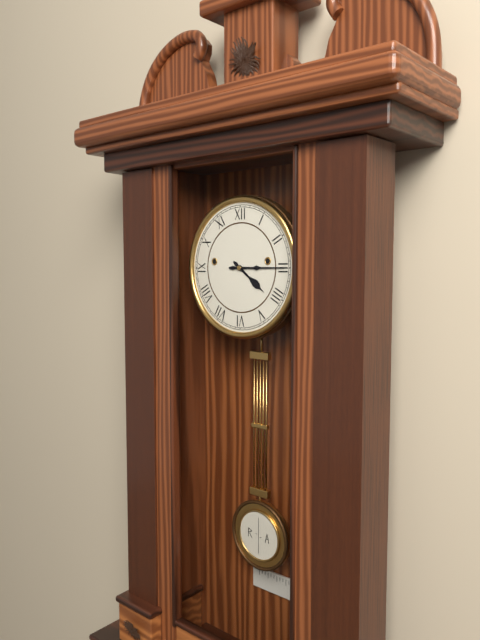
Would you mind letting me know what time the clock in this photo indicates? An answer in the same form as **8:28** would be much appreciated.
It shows **4:15**
